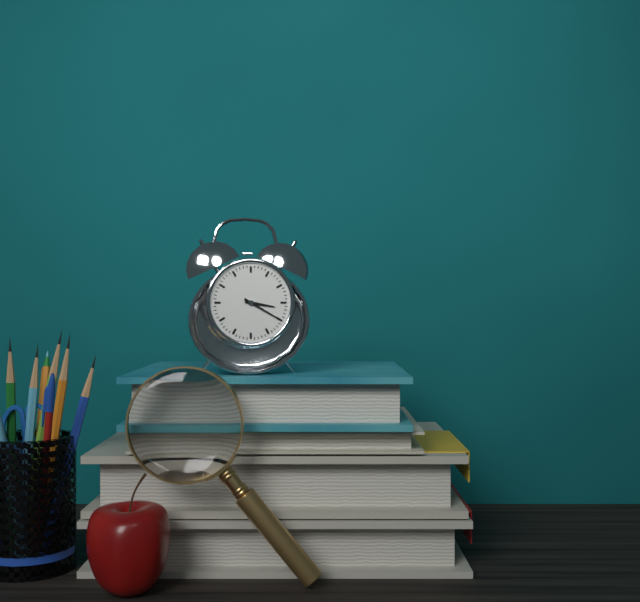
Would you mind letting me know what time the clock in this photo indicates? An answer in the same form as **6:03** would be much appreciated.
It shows **3:20**
